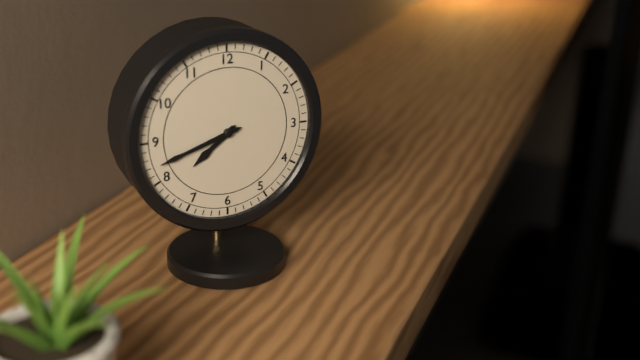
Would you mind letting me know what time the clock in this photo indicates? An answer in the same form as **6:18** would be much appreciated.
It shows **7:42**
